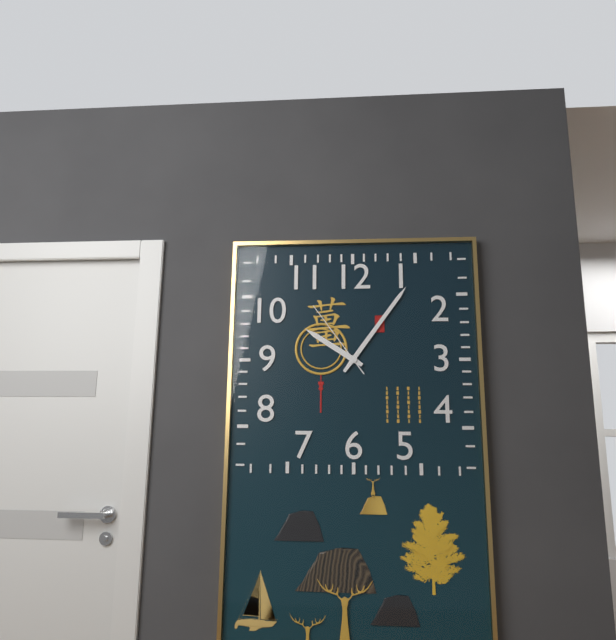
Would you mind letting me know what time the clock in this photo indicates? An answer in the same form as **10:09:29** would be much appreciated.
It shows **10:06:54**
